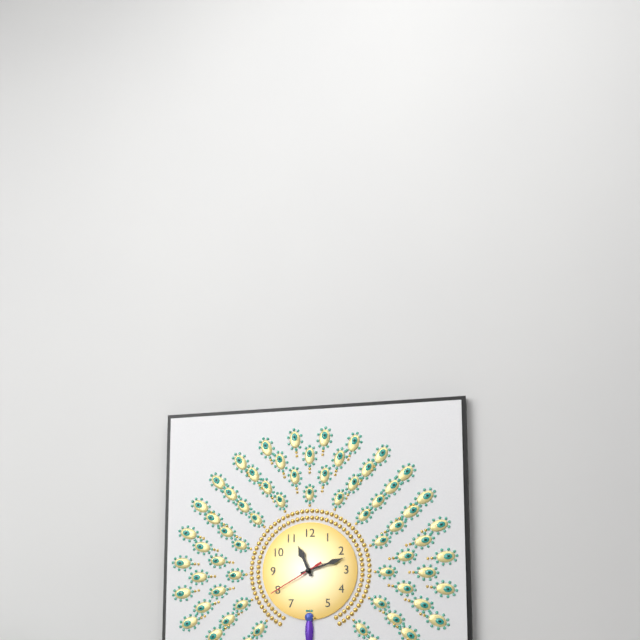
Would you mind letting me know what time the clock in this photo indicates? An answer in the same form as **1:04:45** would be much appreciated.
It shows **11:12:40**
